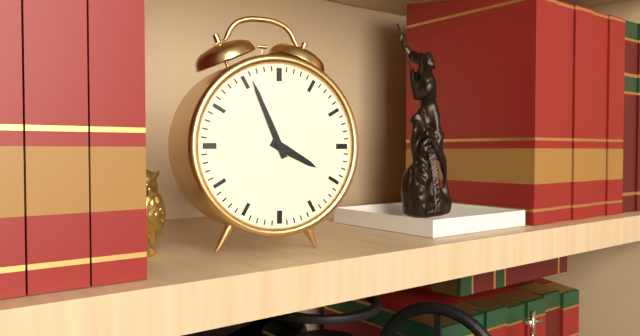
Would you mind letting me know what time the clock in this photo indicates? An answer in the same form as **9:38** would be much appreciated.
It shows **3:56**
